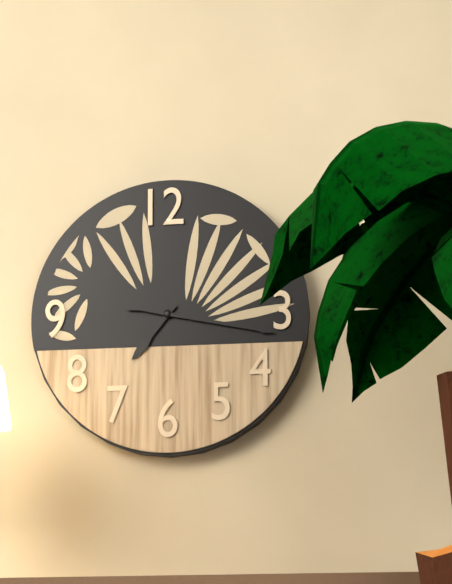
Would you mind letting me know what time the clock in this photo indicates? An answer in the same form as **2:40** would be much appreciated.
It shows **7:17**
